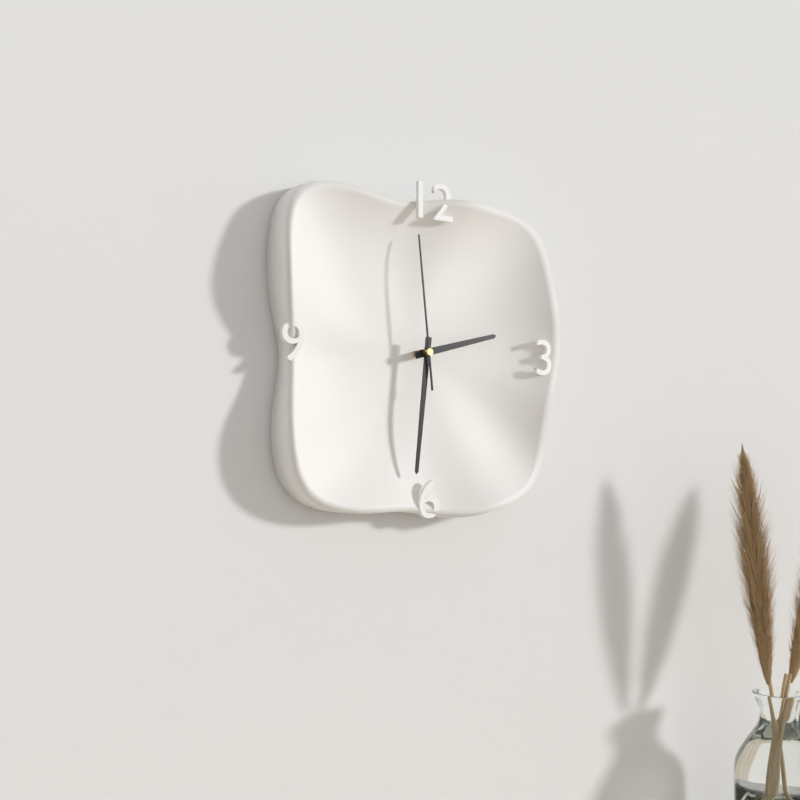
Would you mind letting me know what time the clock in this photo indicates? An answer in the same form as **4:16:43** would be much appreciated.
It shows **2:31:59**
